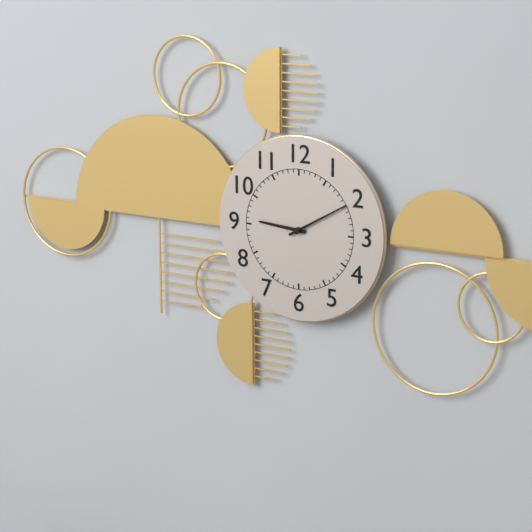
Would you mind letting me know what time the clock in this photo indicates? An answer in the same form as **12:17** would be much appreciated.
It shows **9:10**
